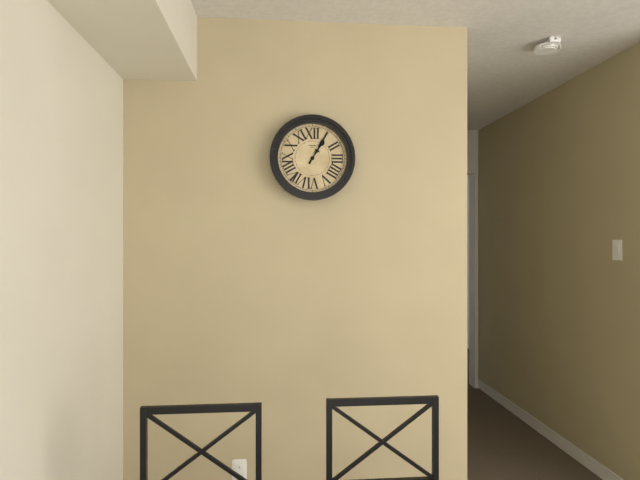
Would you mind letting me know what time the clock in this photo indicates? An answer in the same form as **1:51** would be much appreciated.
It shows **1:05**
